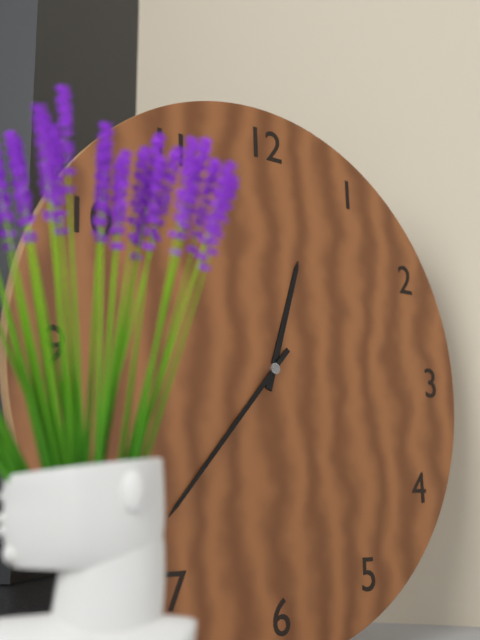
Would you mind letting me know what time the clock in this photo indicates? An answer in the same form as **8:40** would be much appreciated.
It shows **12:37**
